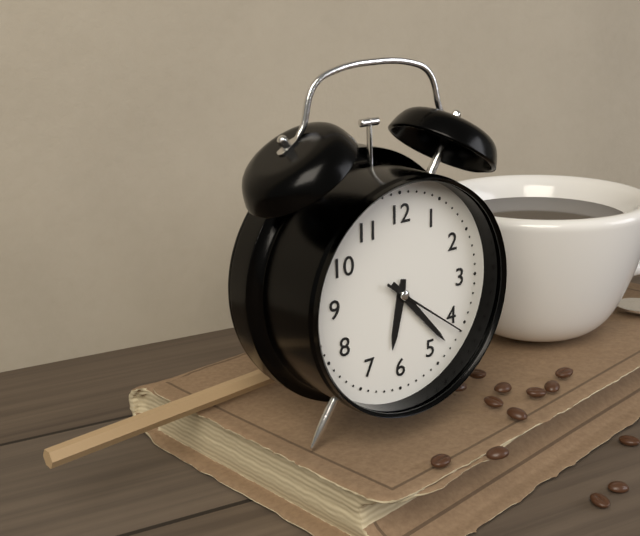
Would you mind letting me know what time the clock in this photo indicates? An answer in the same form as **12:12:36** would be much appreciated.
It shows **6:23:21**
